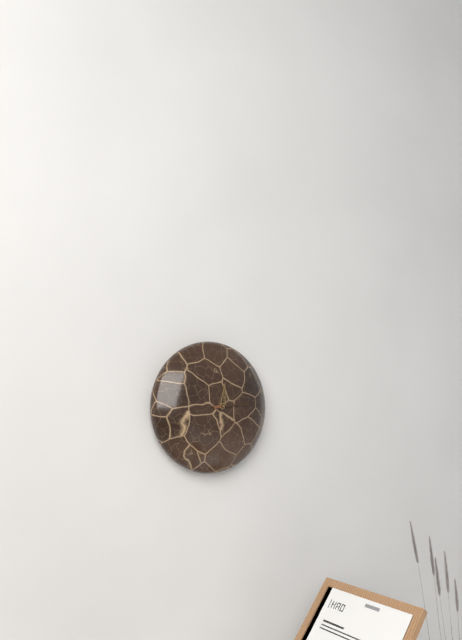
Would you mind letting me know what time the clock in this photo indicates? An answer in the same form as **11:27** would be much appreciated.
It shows **12:14**
